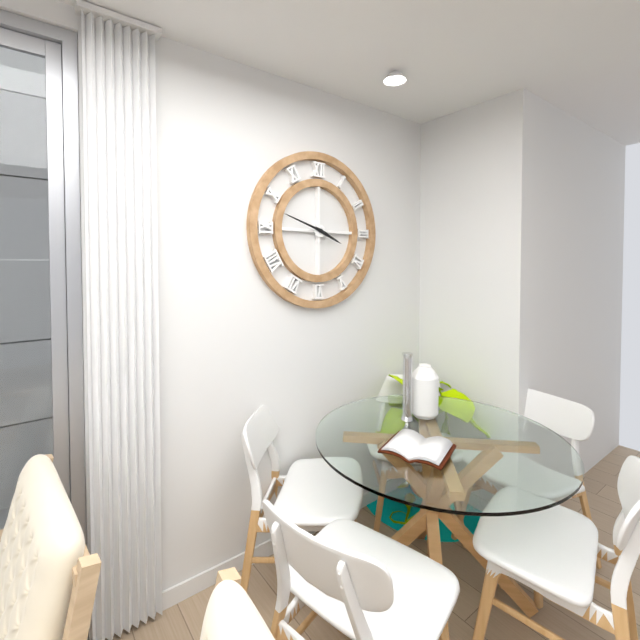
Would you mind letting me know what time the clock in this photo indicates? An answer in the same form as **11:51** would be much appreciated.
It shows **3:48**
